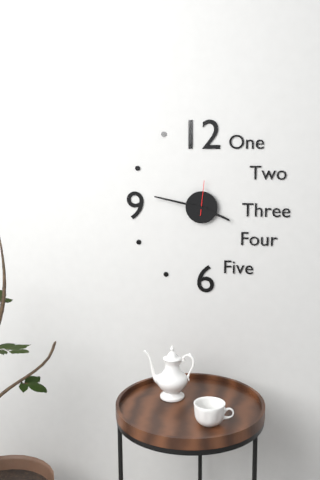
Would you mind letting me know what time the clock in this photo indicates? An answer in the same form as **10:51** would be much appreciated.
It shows **3:47**
